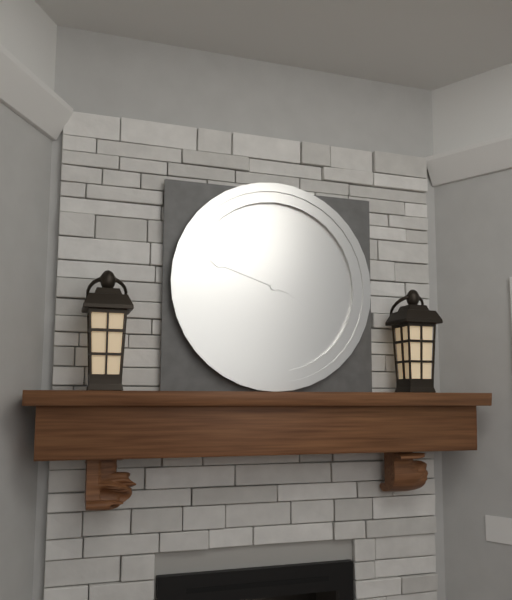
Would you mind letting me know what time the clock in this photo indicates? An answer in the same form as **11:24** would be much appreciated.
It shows **3:48**
